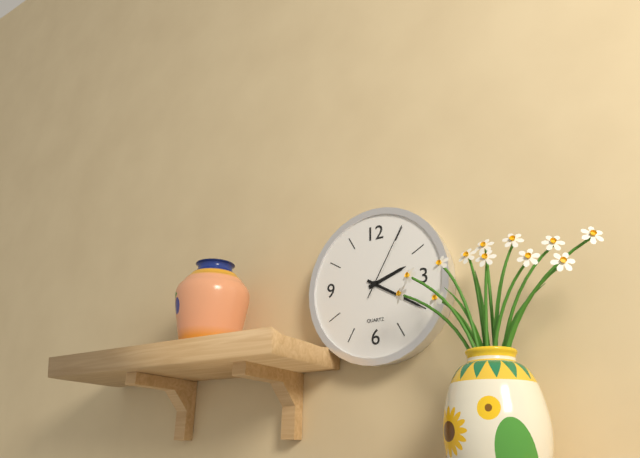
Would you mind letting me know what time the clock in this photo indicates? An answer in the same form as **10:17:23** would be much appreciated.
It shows **2:20:05**
